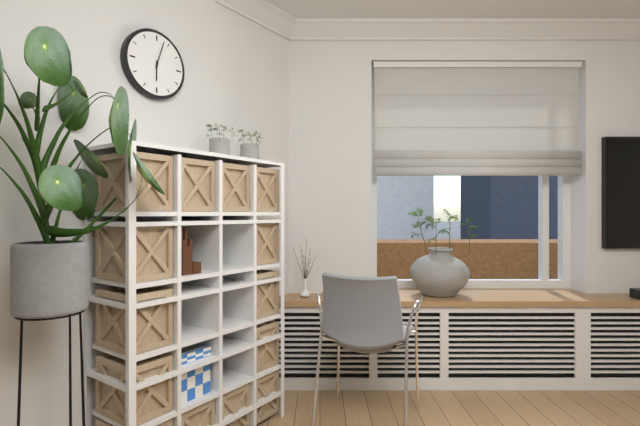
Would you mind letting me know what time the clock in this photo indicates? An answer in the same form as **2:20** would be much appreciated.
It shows **6:03**
